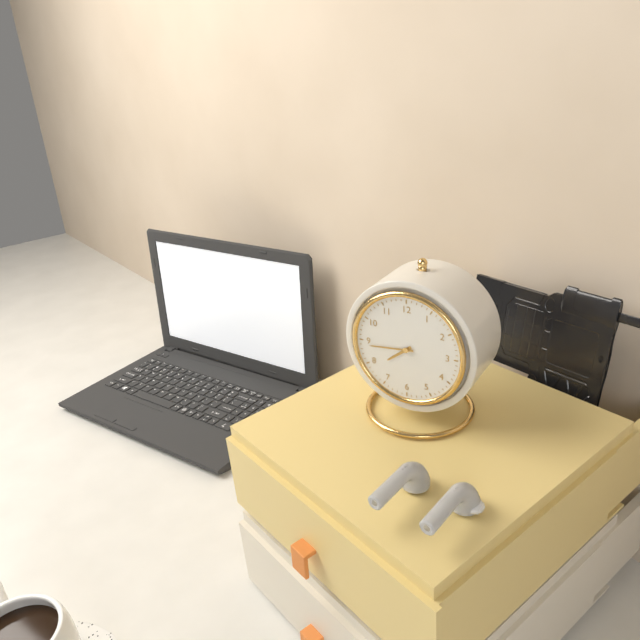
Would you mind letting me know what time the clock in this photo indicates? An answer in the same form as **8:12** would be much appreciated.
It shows **7:44**
